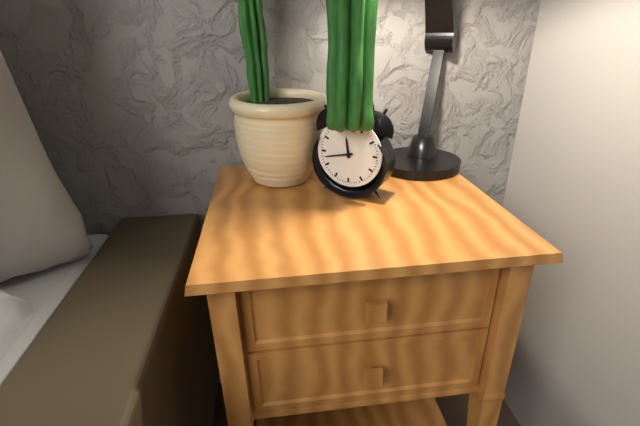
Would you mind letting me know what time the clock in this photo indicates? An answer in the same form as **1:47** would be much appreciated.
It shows **11:43**
